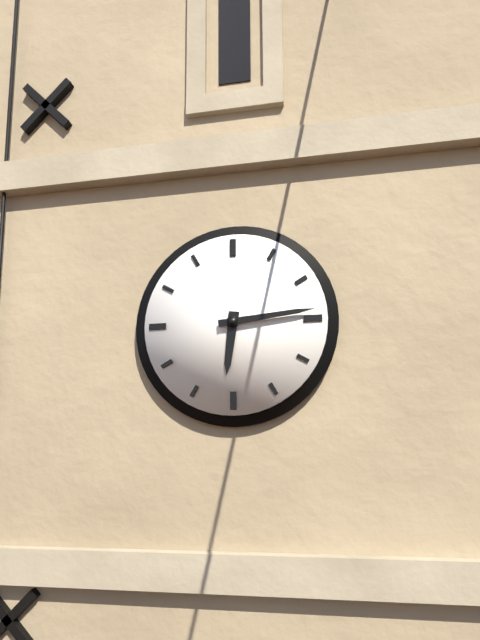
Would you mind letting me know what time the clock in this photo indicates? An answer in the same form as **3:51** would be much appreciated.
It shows **6:14**
